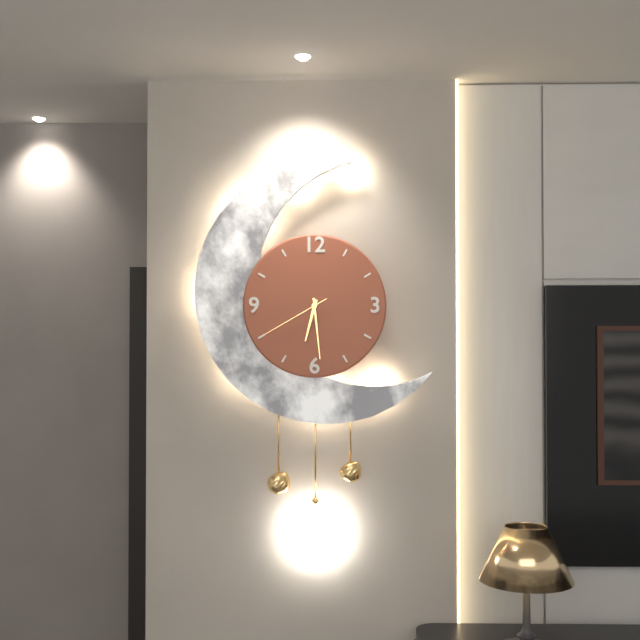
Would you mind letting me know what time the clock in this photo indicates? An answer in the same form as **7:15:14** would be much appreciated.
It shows **6:29:40**
